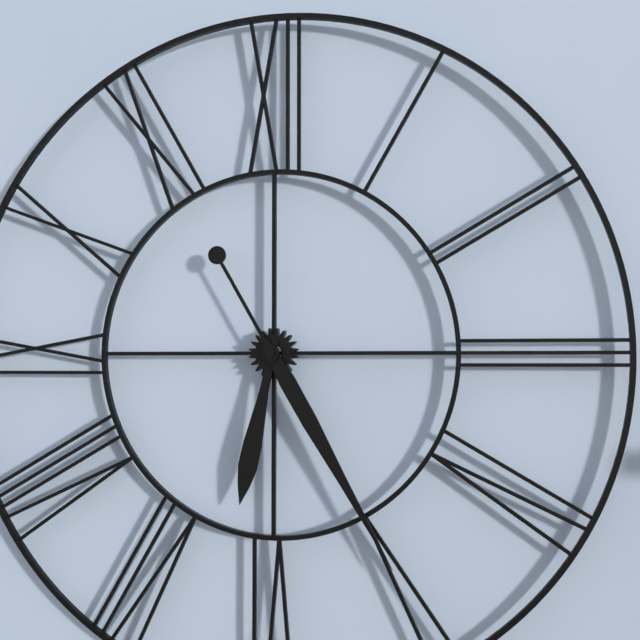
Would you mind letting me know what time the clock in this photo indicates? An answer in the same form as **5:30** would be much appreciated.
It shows **6:25**
